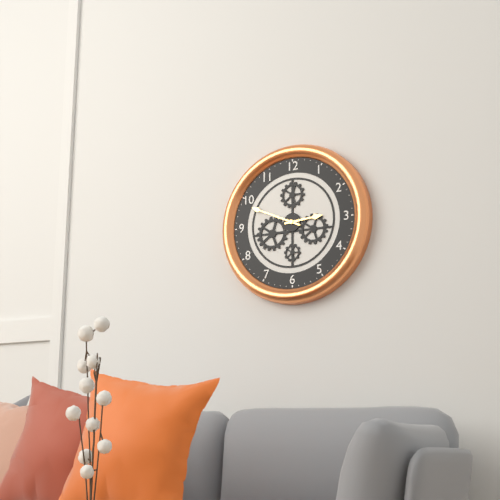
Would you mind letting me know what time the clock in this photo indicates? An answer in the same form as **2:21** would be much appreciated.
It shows **2:49**
